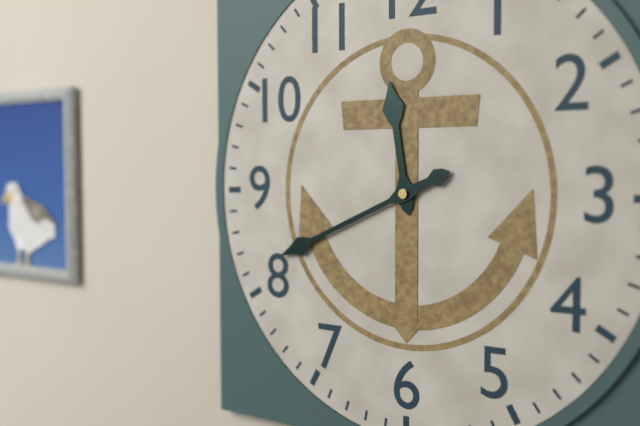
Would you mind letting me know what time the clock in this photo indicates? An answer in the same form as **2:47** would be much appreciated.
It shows **11:41**
